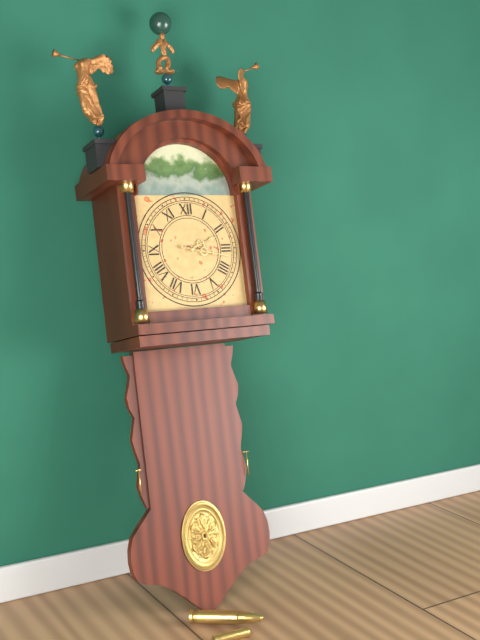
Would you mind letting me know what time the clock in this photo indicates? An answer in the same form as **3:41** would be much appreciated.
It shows **2:17**
